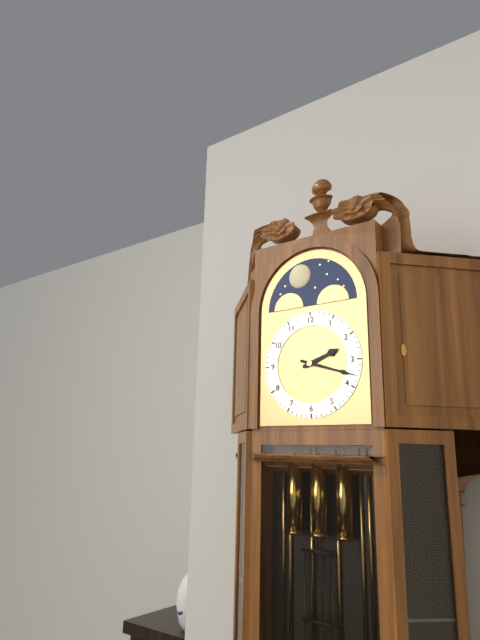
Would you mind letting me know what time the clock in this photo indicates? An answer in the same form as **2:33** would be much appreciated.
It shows **2:18**
